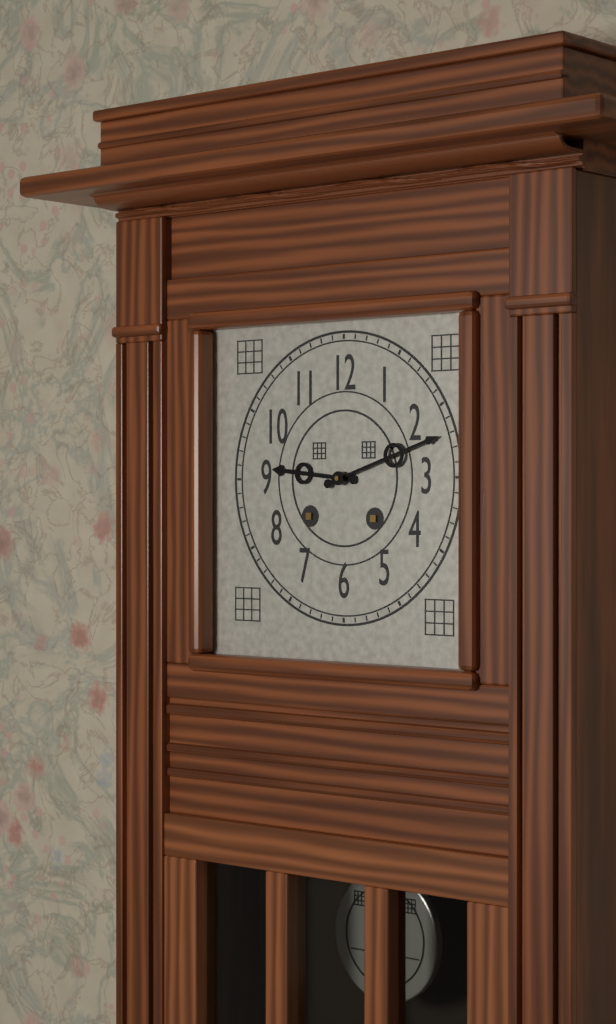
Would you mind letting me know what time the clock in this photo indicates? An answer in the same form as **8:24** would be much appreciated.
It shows **9:12**
